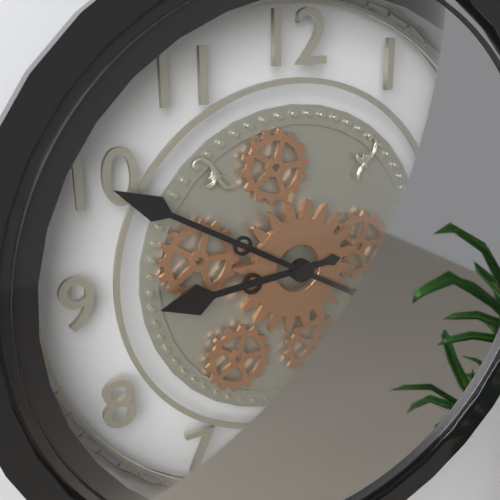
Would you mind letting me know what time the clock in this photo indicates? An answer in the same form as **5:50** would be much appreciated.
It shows **8:50**
